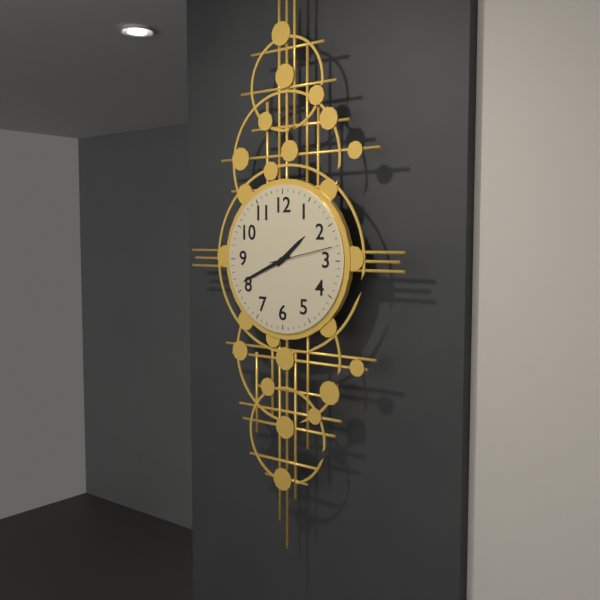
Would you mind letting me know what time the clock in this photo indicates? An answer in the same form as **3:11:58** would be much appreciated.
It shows **1:41:13**
